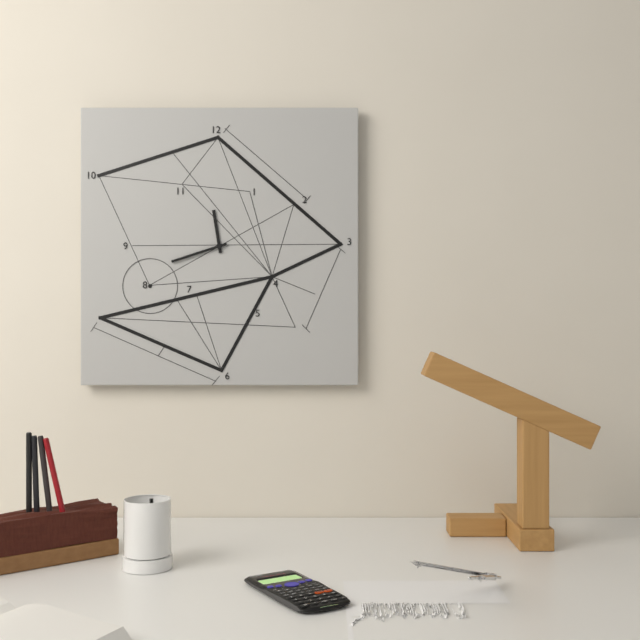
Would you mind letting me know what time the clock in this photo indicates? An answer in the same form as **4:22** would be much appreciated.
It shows **11:42**
